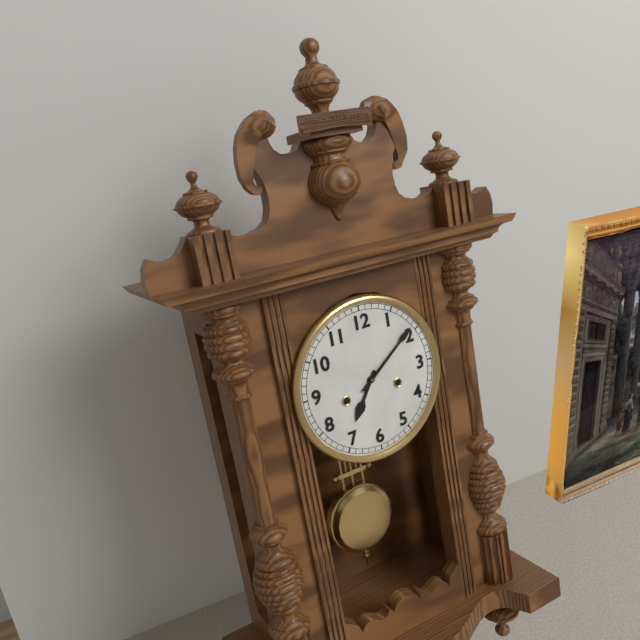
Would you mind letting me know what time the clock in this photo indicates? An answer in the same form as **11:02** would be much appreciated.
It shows **7:09**
